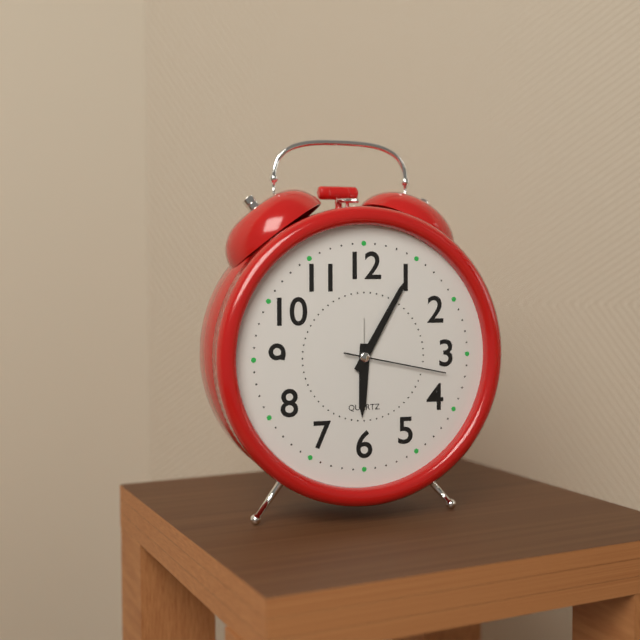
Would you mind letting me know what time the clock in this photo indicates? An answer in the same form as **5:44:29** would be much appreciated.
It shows **6:05:17**
